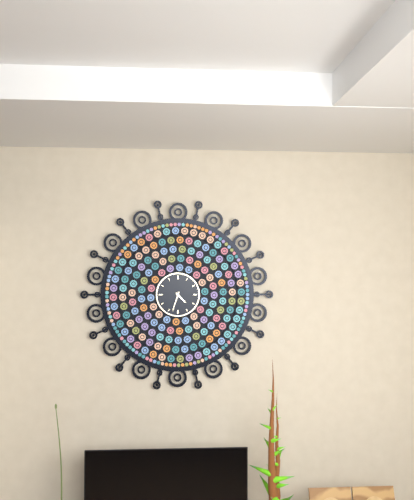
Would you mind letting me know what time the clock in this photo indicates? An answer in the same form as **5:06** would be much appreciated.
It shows **4:33**
